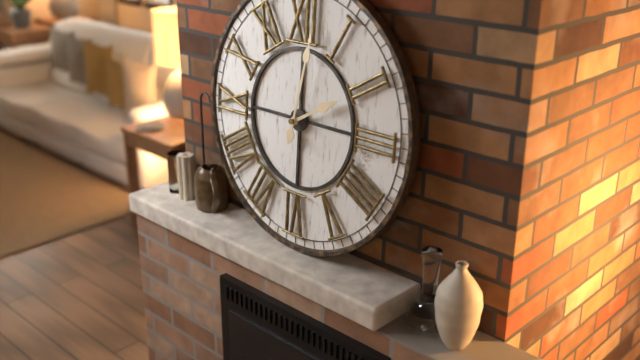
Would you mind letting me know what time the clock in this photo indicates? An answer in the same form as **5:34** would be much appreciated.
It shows **2:02**
